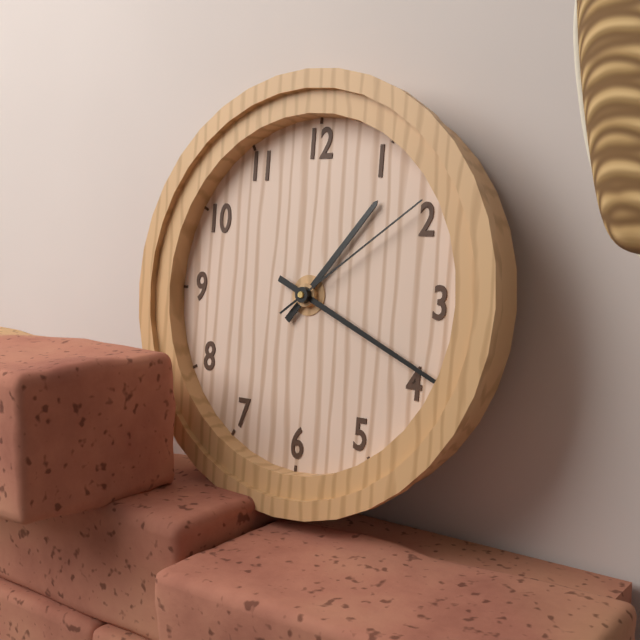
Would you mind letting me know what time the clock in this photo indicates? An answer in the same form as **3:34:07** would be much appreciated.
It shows **1:19:09**
